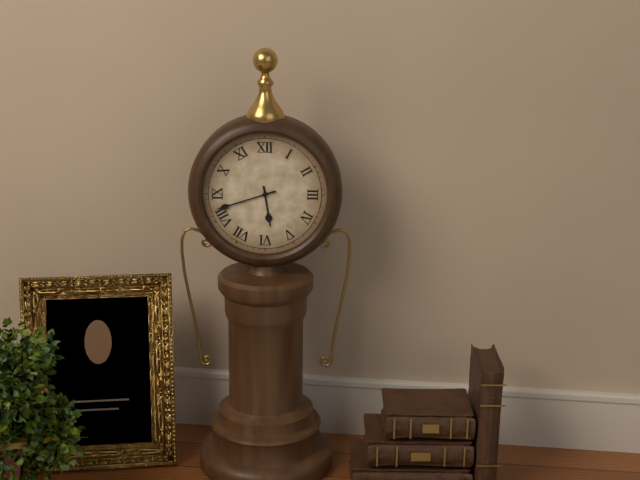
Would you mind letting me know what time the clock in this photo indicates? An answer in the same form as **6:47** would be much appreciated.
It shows **5:42**
